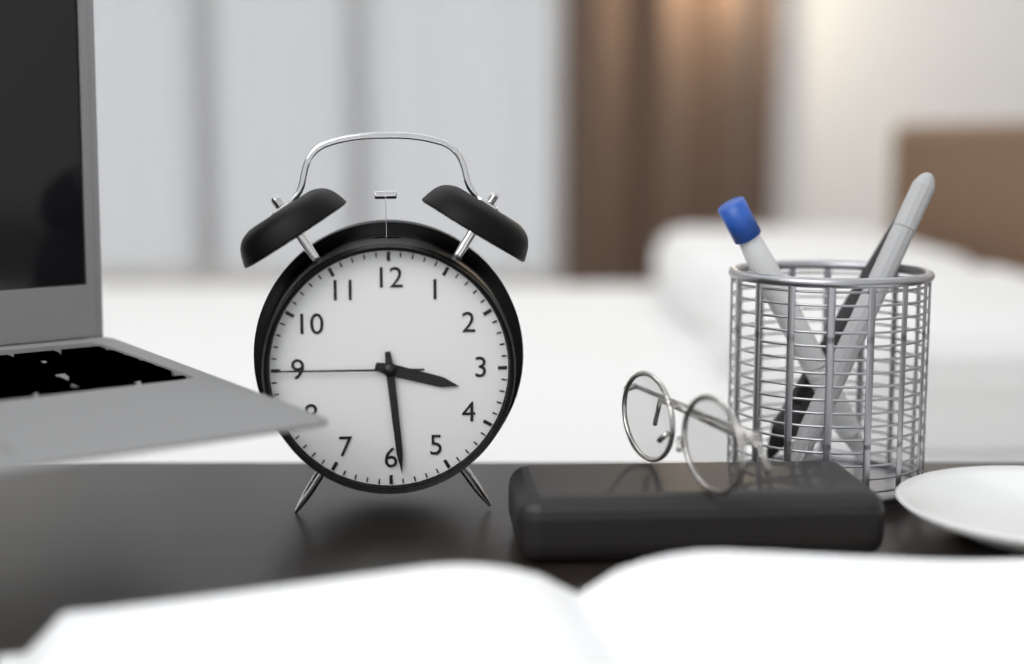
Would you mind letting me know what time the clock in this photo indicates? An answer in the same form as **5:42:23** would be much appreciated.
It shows **3:29:45**
